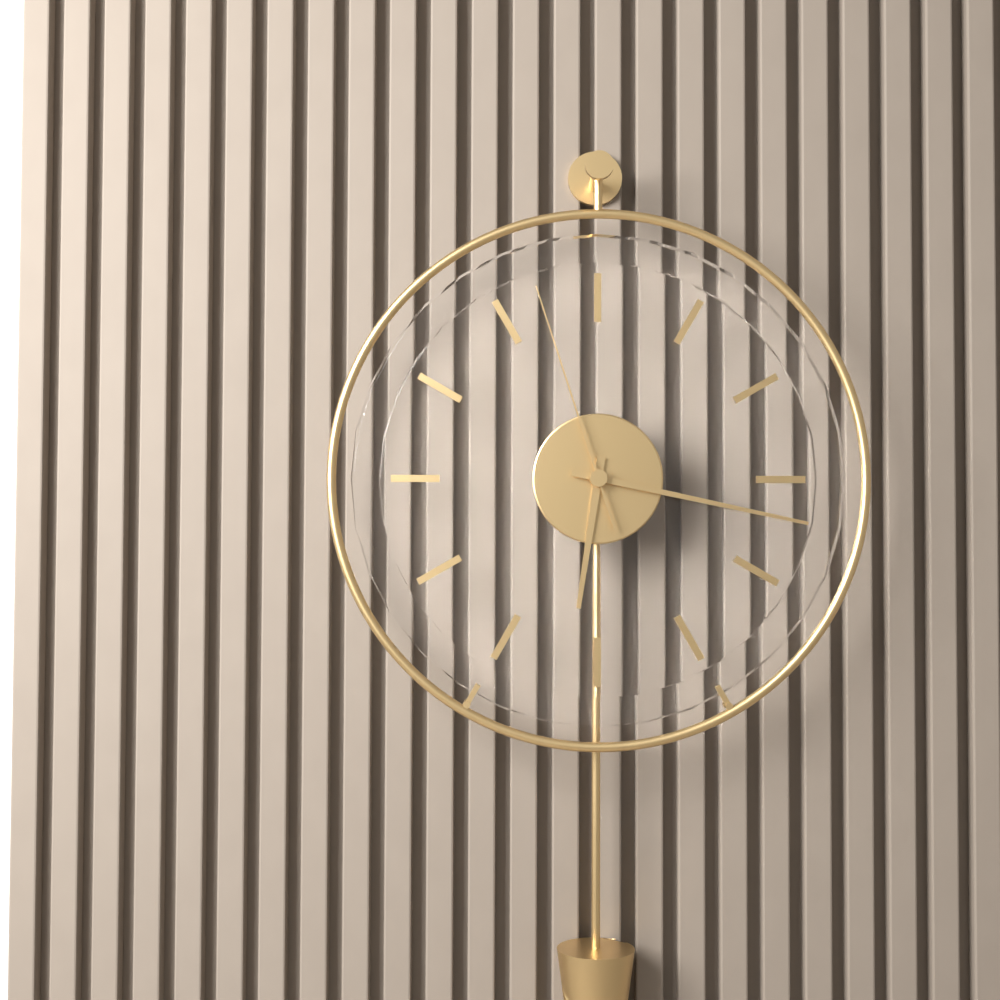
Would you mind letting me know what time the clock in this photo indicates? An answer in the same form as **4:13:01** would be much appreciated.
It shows **6:17:57**
